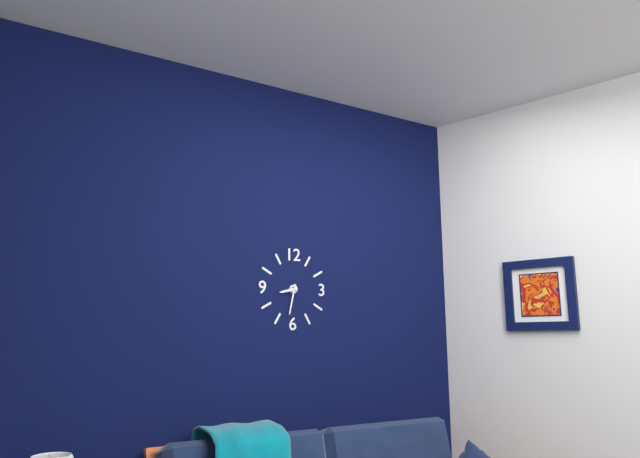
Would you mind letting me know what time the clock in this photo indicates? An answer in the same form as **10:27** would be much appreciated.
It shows **8:32**
